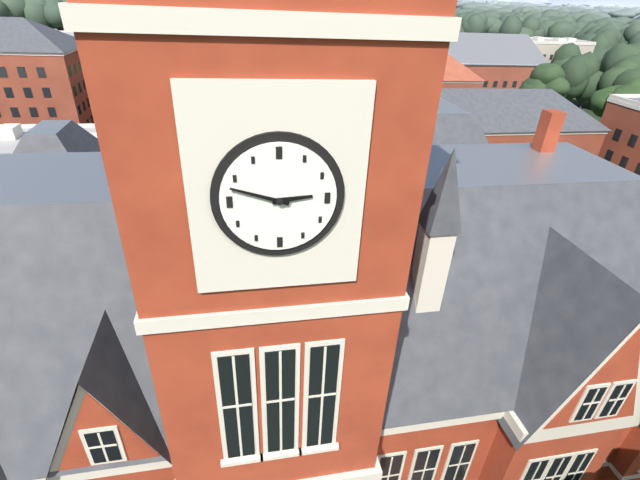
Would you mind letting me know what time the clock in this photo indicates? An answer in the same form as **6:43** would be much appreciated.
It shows **2:48**
